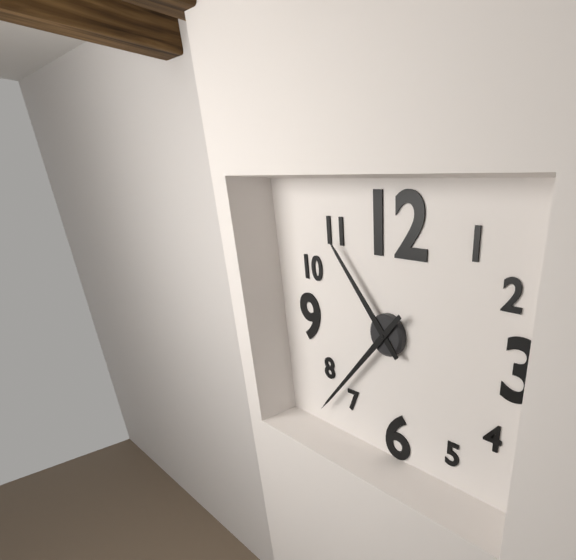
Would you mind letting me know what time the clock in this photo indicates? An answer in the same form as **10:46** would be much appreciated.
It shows **10:37**
